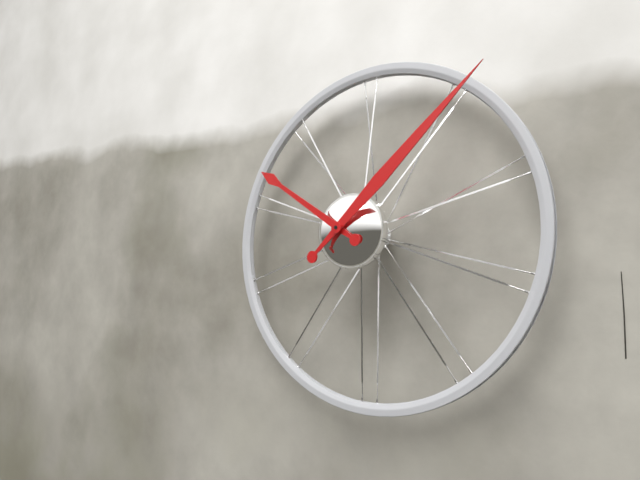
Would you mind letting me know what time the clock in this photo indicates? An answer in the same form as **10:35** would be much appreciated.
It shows **10:08**
